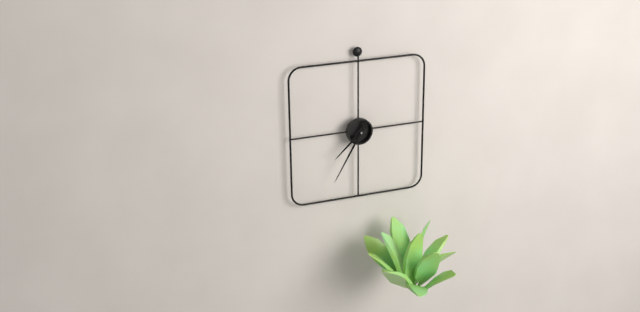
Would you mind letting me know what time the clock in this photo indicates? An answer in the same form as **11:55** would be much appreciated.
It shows **7:35**
